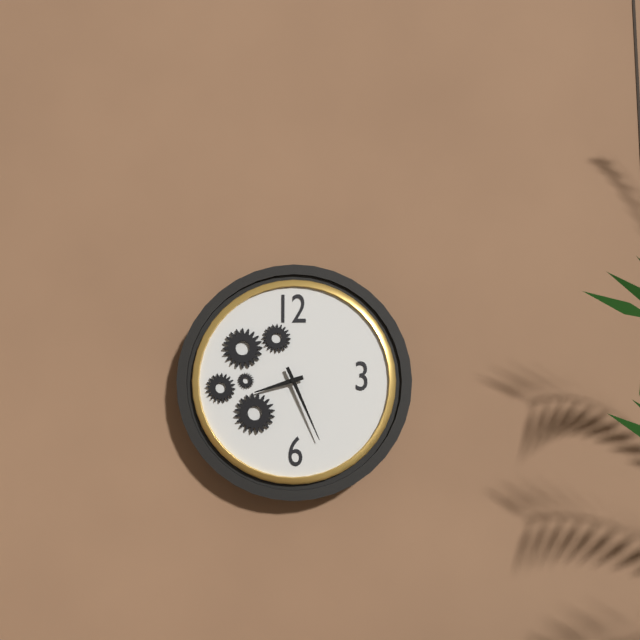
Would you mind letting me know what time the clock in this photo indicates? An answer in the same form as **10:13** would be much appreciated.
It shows **8:26**
